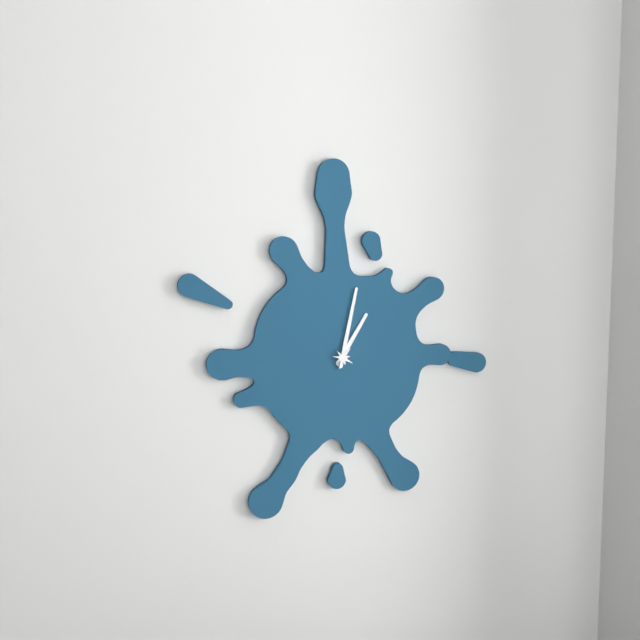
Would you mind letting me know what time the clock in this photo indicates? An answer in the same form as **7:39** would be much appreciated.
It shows **1:02**
